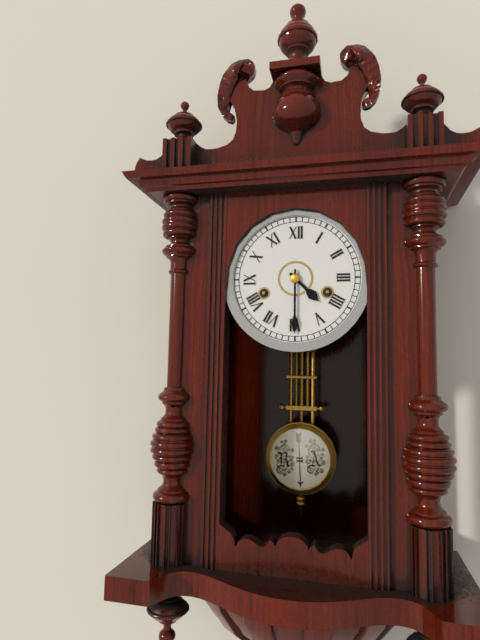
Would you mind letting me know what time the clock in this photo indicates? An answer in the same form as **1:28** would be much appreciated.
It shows **4:30**
